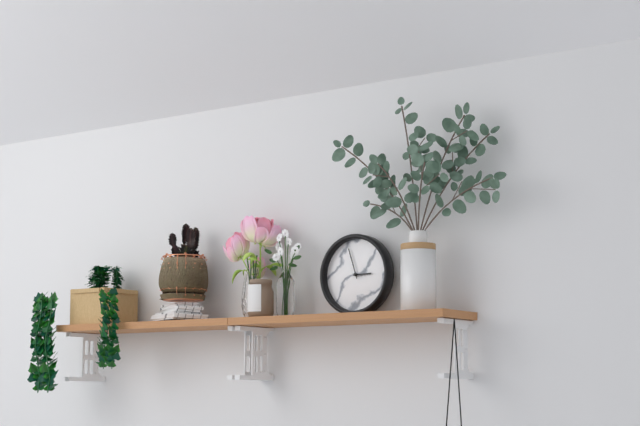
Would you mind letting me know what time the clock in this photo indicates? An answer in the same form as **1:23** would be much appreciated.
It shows **2:57**
